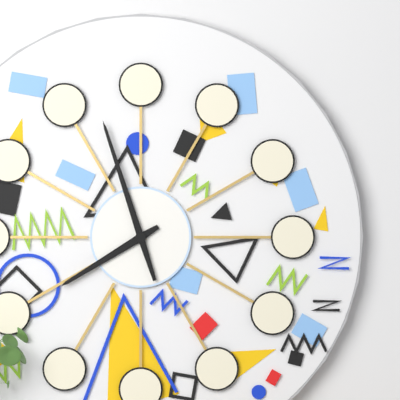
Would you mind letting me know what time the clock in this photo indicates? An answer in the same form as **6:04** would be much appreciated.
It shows **7:57**
